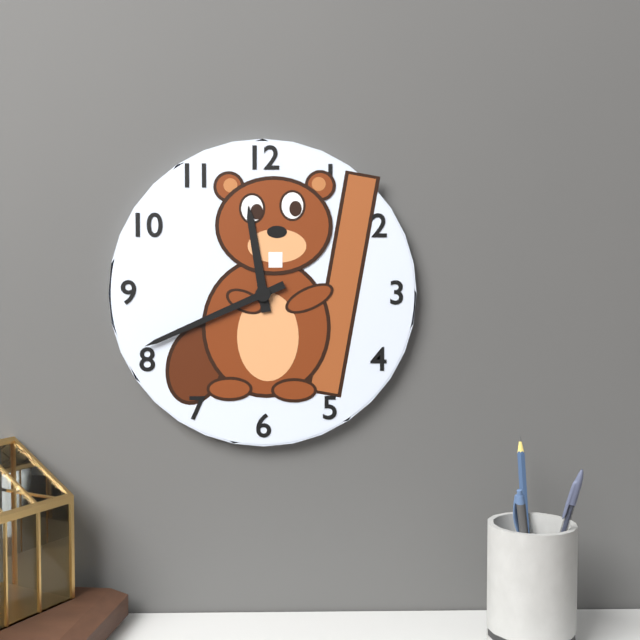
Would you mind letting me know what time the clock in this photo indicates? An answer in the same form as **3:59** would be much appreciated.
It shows **11:41**
